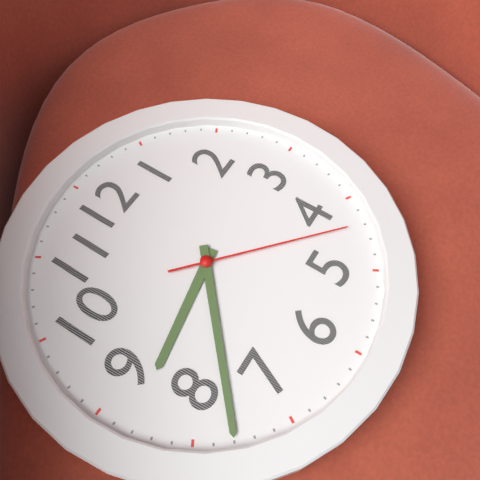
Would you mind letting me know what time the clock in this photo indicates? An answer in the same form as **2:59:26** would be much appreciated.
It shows **8:38:22**
